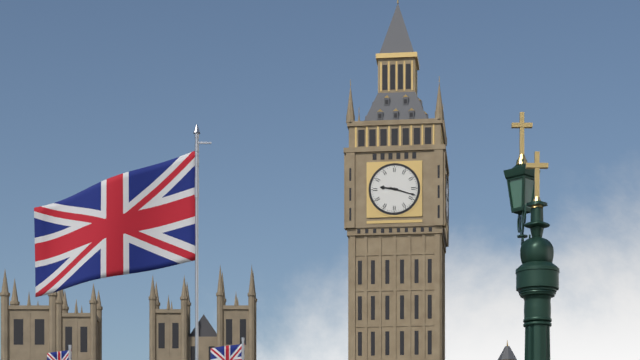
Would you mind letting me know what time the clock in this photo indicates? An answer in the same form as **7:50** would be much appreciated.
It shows **9:18**
